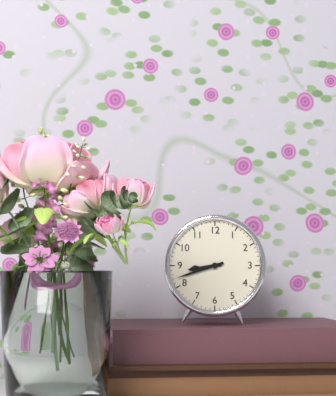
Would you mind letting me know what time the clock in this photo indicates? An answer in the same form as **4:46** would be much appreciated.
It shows **8:42**
